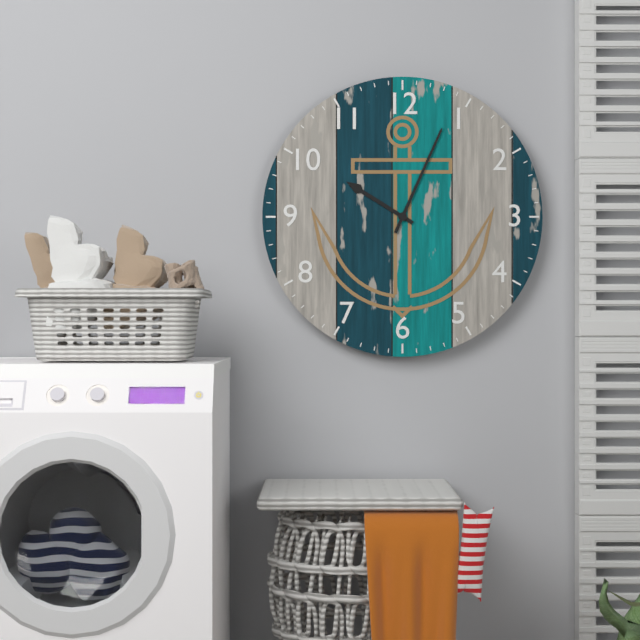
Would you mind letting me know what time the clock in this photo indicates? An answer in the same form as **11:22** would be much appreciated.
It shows **10:04**
